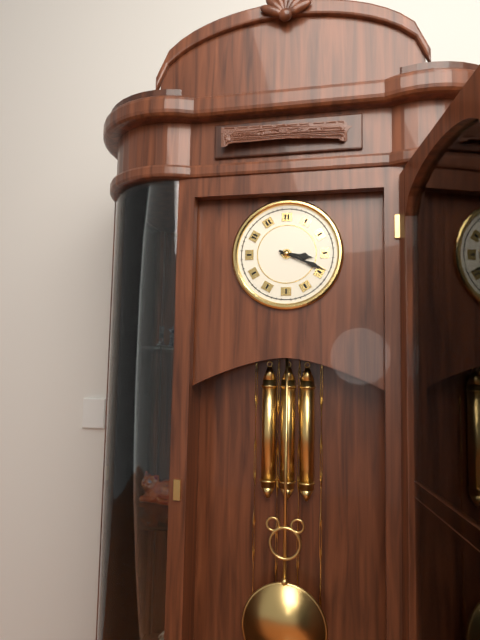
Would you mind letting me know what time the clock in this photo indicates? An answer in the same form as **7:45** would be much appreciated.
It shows **3:19**
